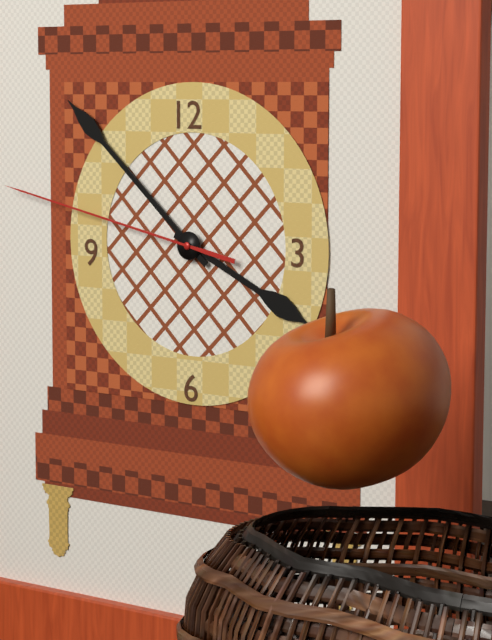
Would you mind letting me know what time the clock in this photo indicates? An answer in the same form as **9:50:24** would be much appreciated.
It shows **3:52:47**
